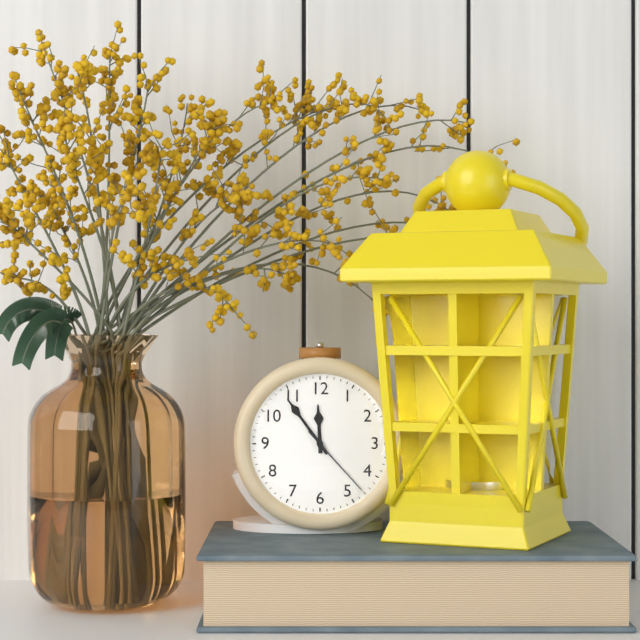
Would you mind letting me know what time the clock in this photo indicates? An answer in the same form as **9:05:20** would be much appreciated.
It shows **11:54:23**
